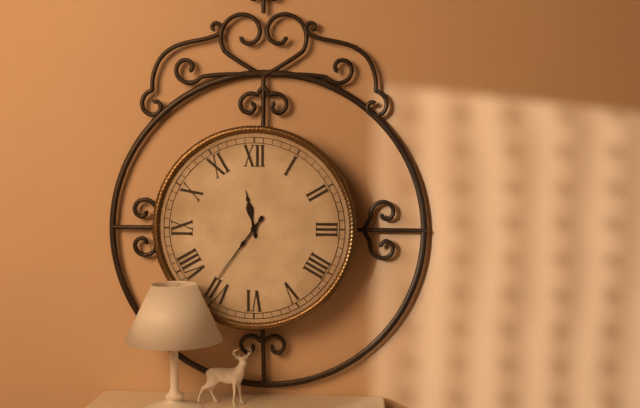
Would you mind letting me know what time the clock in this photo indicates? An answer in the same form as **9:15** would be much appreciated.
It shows **11:36**
